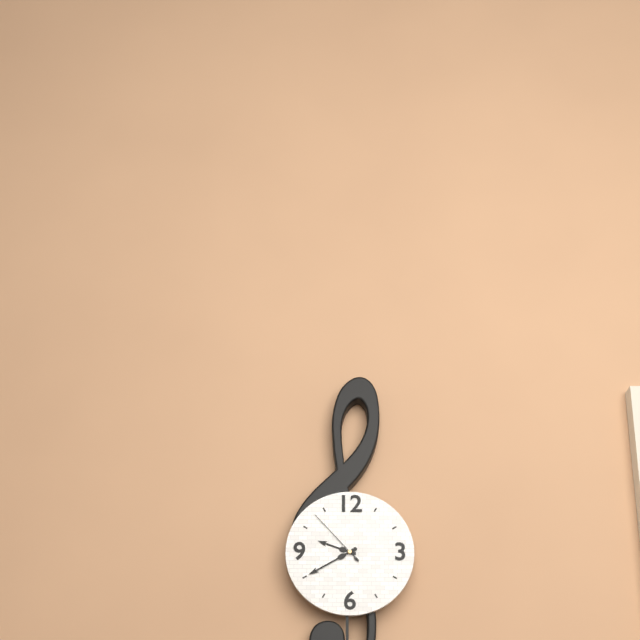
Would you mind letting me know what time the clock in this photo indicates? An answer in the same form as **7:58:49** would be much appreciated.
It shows **9:40:53**
